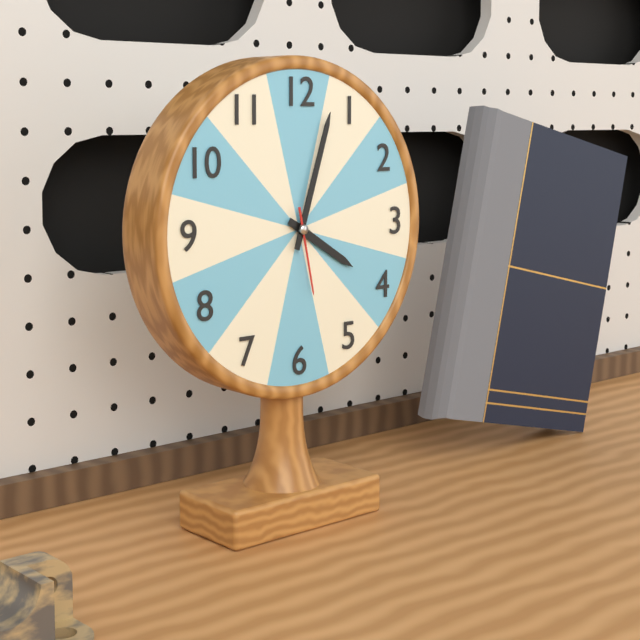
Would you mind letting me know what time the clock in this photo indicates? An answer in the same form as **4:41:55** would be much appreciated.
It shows **4:03:28**
